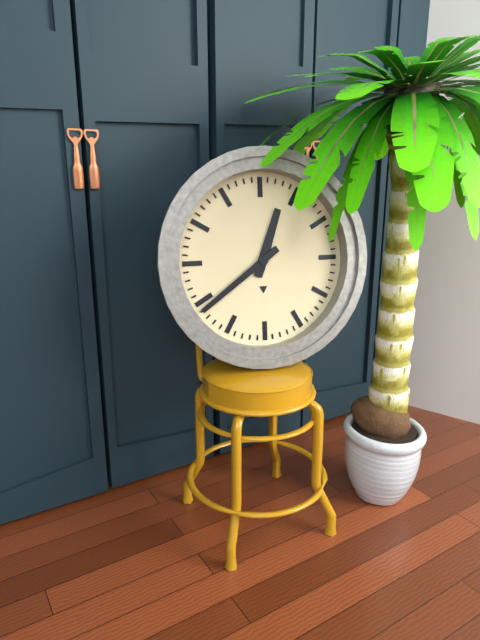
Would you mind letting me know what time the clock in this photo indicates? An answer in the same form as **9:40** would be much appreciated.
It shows **12:39**
